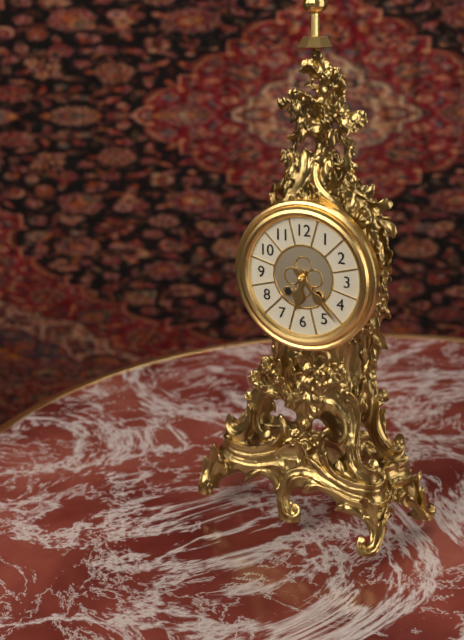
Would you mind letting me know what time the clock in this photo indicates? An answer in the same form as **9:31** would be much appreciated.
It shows **6:23**
